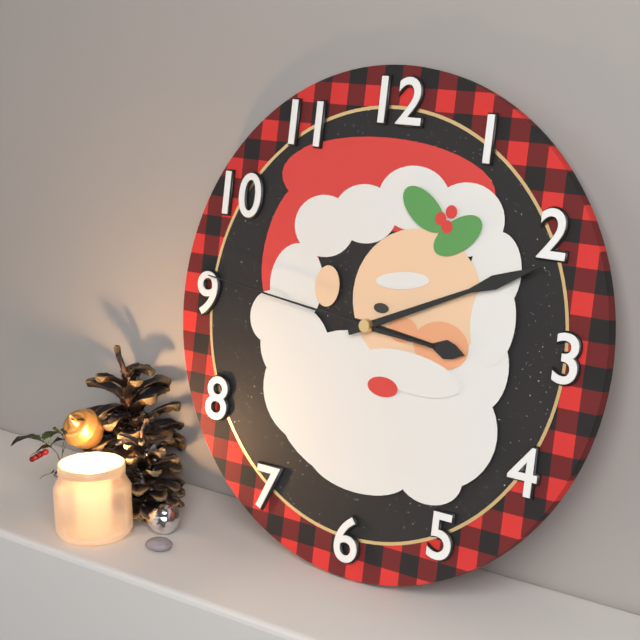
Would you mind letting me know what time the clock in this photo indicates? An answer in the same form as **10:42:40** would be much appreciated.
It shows **3:11:46**
